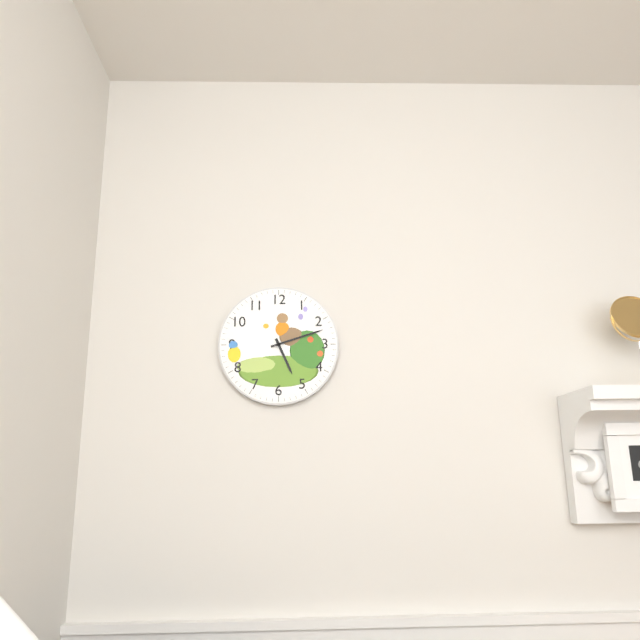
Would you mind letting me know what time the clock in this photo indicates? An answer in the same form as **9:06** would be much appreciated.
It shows **5:12**
